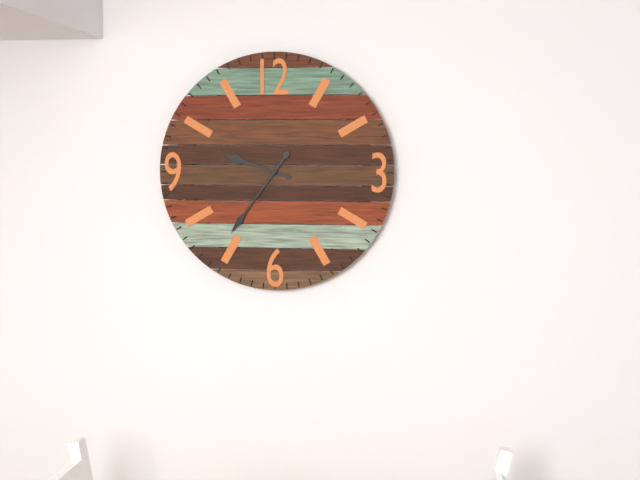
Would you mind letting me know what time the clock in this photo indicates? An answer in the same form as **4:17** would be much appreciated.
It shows **9:36**
